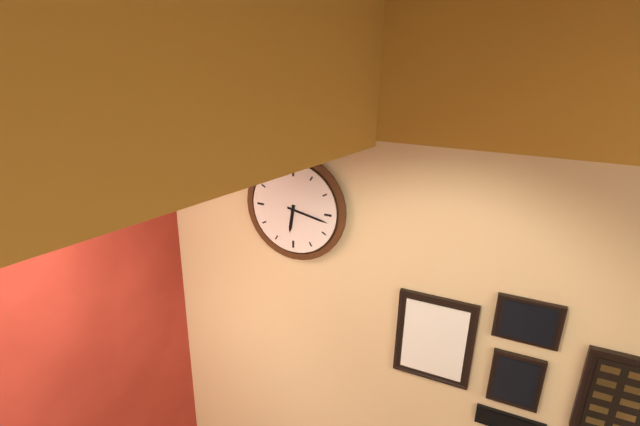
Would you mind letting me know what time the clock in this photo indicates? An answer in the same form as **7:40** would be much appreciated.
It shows **6:17**
